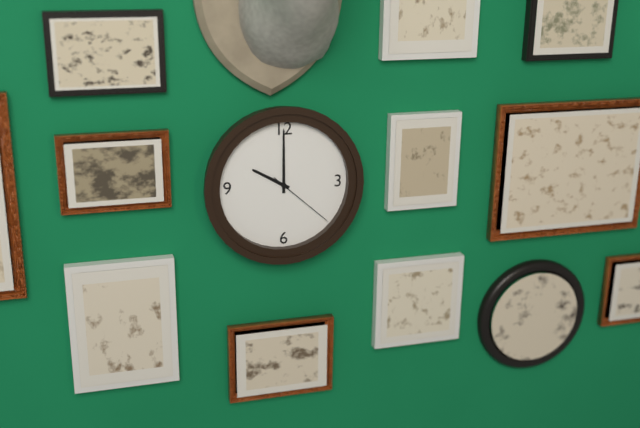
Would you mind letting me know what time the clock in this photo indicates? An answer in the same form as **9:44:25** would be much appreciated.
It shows **10:00:22**
